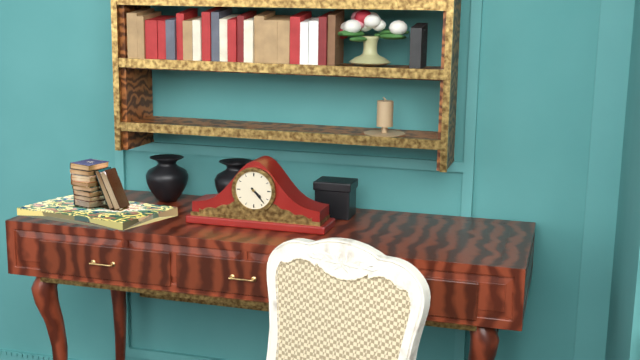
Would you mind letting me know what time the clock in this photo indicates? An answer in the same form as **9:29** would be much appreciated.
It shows **4:23**
